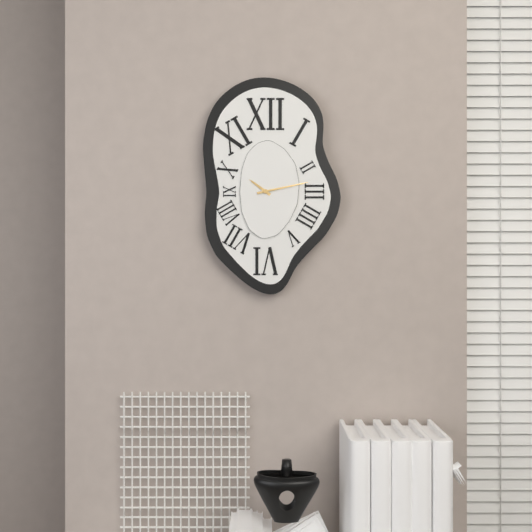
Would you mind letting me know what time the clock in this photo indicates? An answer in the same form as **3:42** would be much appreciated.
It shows **10:13**
